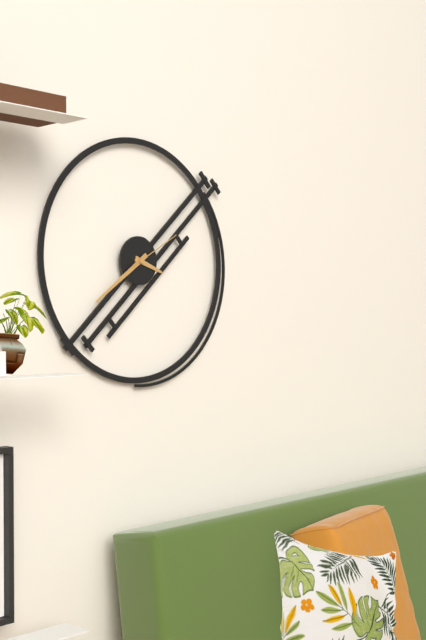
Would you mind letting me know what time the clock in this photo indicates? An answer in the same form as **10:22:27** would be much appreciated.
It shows **3:39:10**
